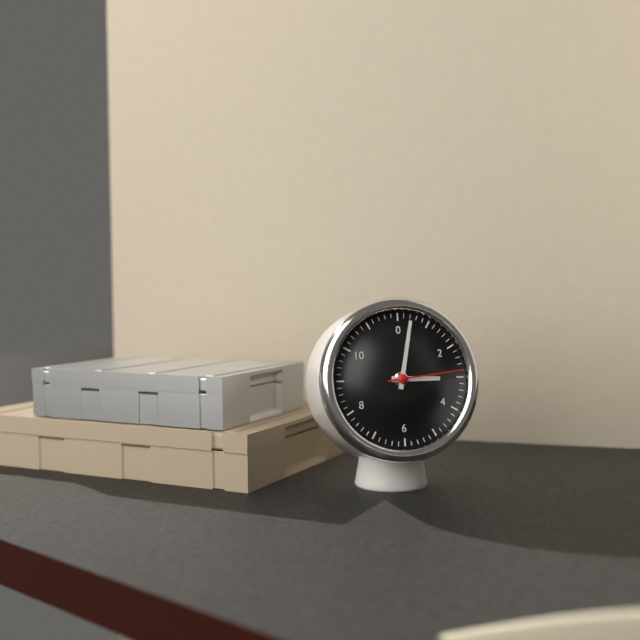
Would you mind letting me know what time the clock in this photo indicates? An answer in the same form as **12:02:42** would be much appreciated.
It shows **3:02:14**
